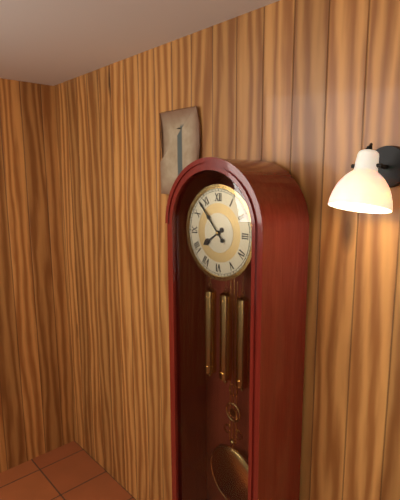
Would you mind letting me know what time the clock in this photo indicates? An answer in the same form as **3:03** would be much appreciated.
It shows **7:53**
